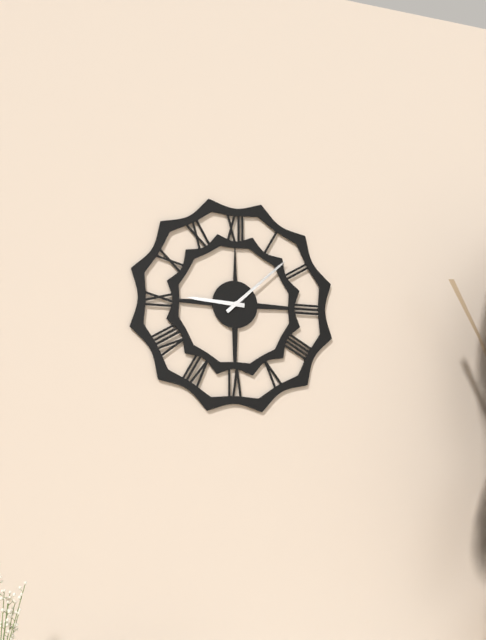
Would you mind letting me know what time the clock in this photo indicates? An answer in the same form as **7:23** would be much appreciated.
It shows **9:08**
